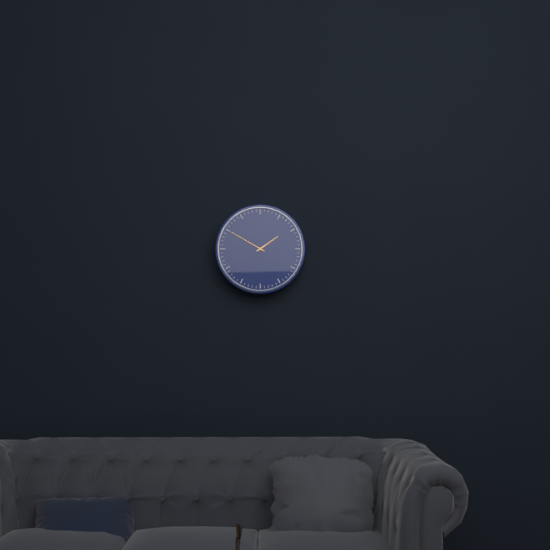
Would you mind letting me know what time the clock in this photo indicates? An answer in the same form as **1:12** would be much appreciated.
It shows **1:50**
